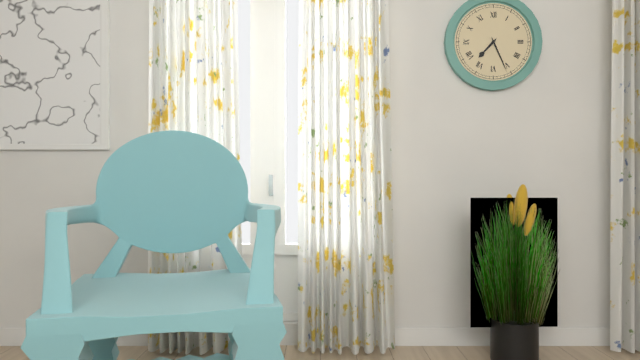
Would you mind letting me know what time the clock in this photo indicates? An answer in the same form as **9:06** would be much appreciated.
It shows **7:26**
